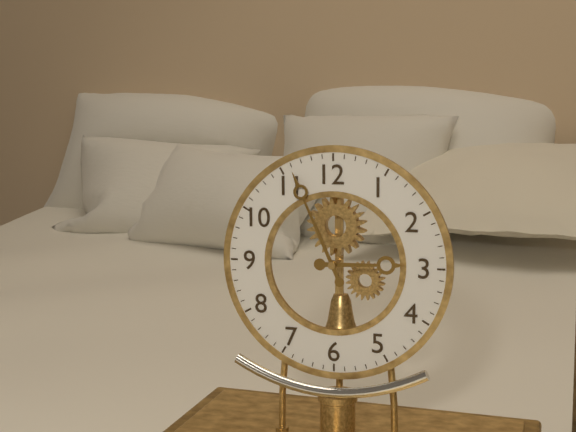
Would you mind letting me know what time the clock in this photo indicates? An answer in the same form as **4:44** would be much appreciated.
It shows **2:56**
